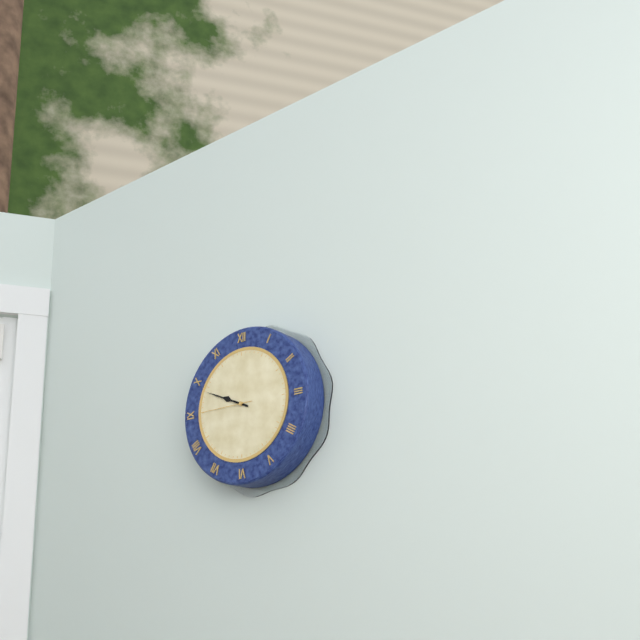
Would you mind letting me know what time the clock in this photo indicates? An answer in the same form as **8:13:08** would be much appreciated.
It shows **9:49:45**
